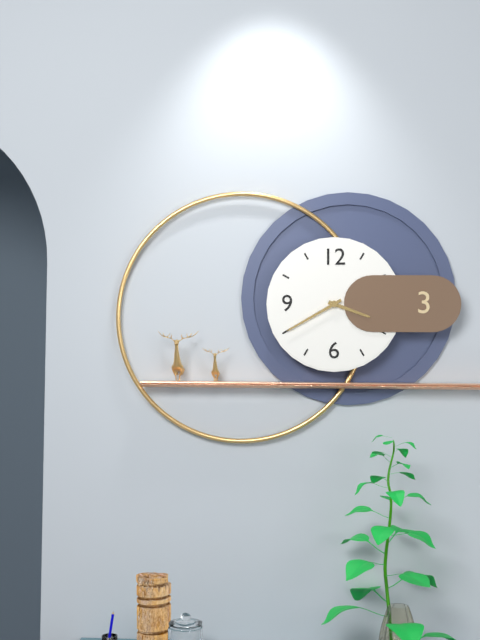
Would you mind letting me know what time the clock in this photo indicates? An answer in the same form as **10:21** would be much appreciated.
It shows **3:40**
